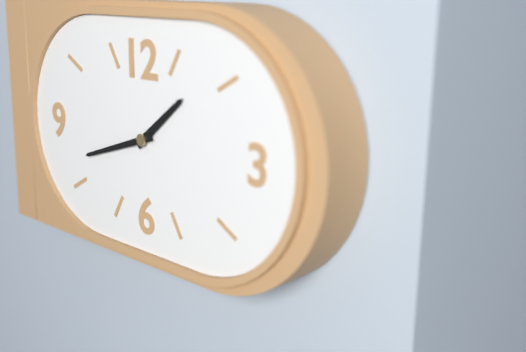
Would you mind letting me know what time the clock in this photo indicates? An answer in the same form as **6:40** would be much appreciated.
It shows **1:42**
